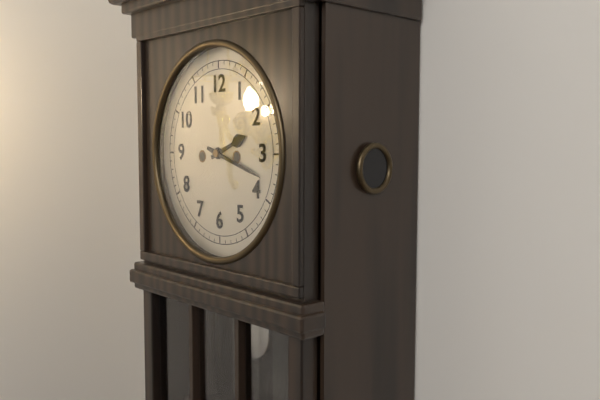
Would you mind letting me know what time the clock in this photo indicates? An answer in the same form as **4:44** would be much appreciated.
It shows **2:18**
